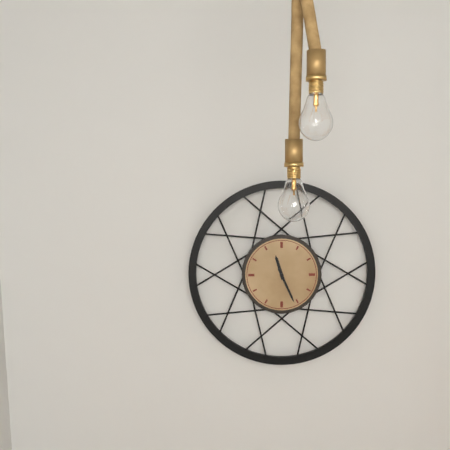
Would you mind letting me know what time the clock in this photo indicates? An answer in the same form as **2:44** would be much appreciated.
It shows **11:26**
